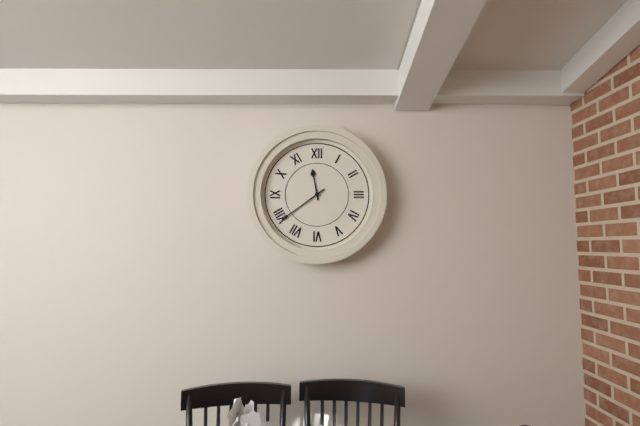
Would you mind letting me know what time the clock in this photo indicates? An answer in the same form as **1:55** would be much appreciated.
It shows **11:39**
